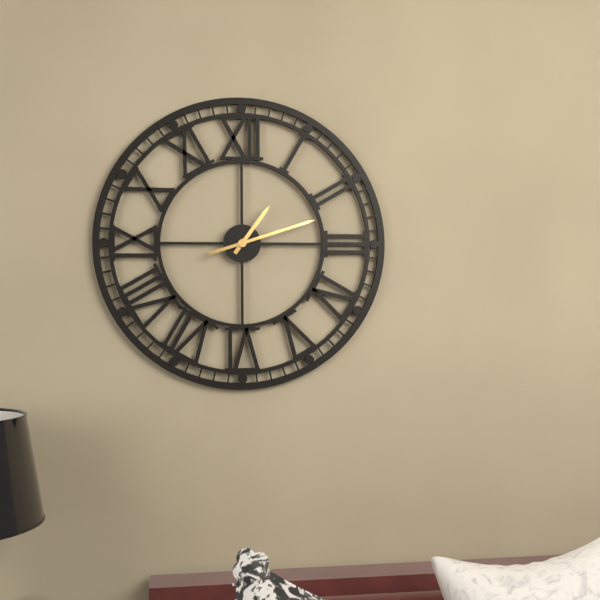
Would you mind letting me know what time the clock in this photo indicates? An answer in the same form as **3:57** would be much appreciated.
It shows **1:12**
